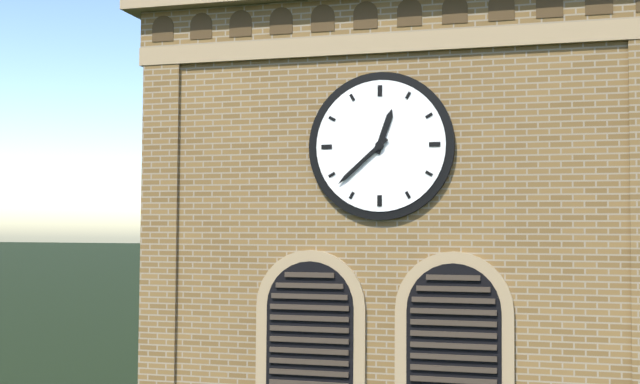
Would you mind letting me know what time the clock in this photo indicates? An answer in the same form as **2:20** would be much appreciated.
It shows **12:38**
